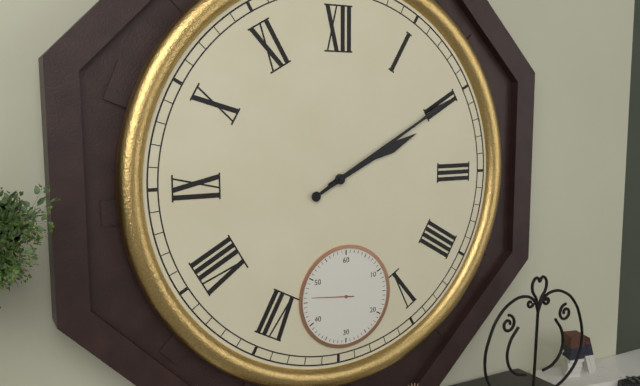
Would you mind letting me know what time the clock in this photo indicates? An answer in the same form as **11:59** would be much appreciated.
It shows **2:10**
